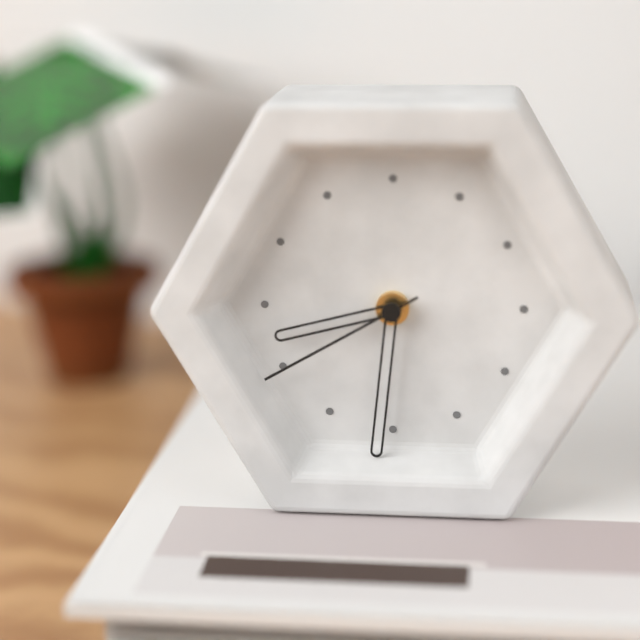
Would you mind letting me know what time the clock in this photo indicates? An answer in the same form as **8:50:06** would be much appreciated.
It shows **8:31:40**
